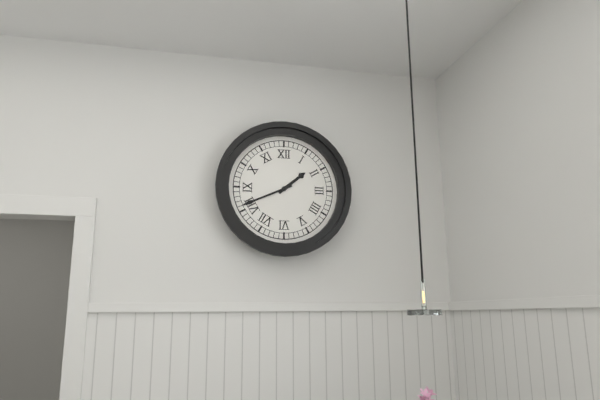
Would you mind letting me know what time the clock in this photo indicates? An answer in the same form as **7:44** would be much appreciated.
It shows **1:41**
